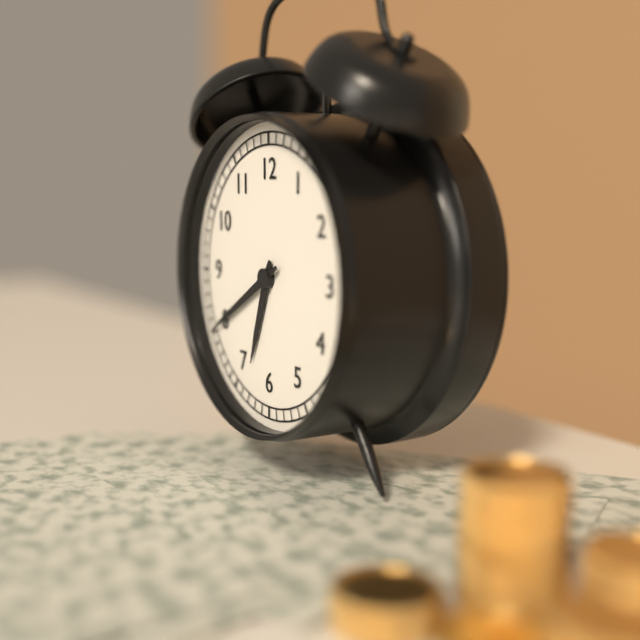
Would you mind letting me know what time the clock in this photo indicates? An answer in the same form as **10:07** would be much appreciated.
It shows **6:40**
